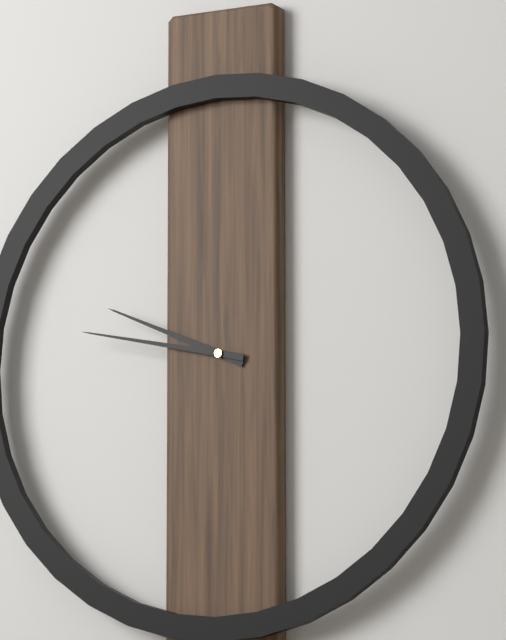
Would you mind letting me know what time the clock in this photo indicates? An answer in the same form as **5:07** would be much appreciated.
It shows **9:47**
